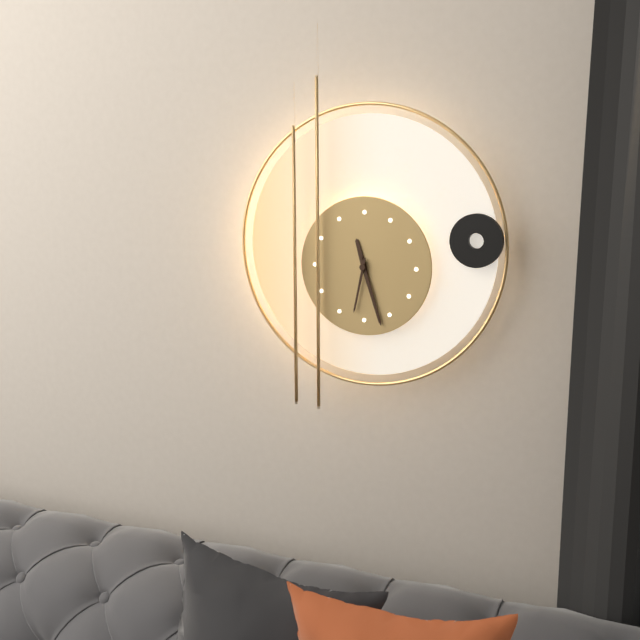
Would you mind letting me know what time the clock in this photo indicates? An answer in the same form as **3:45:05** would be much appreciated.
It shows **11:27:32**
